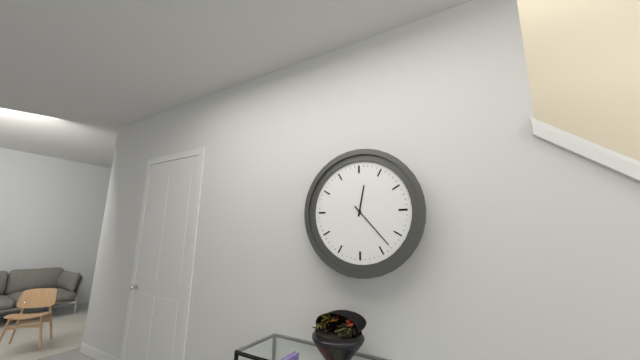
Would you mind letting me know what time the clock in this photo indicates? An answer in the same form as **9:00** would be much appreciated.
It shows **12:23**
